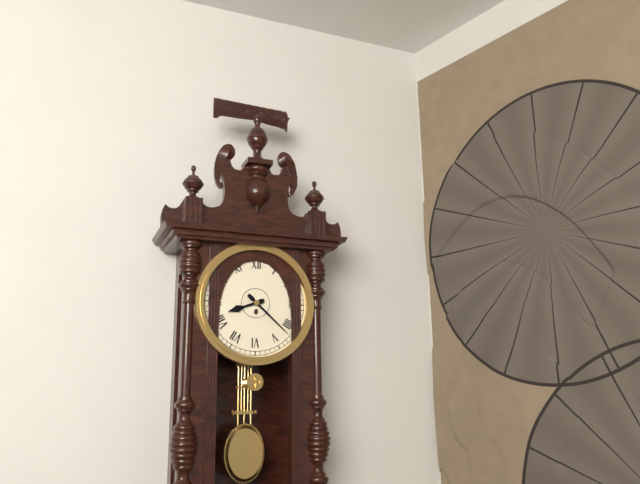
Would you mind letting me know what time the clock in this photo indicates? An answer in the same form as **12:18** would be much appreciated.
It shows **8:22**
